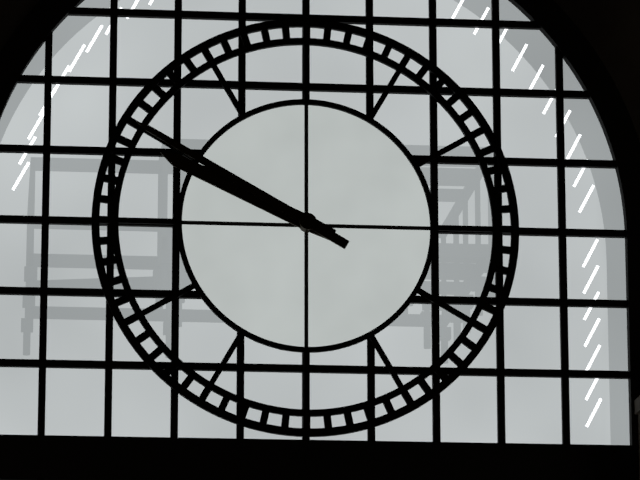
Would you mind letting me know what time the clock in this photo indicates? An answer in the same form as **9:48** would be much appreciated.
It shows **9:50**
